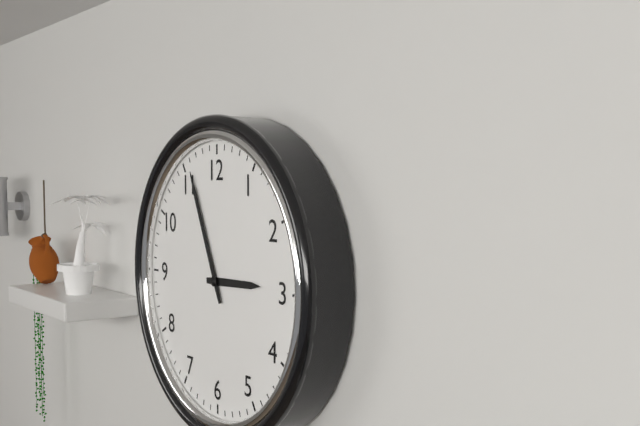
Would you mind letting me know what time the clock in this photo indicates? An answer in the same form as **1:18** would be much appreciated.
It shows **2:56**
